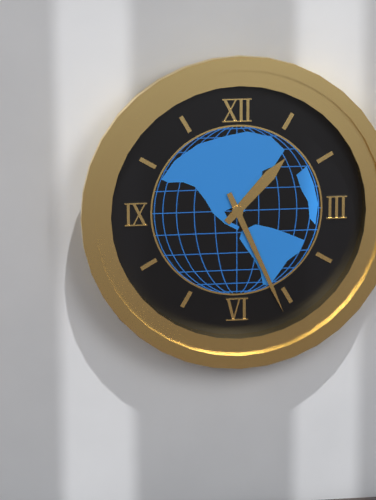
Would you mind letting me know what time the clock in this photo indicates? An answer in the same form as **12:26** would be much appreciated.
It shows **1:26**
